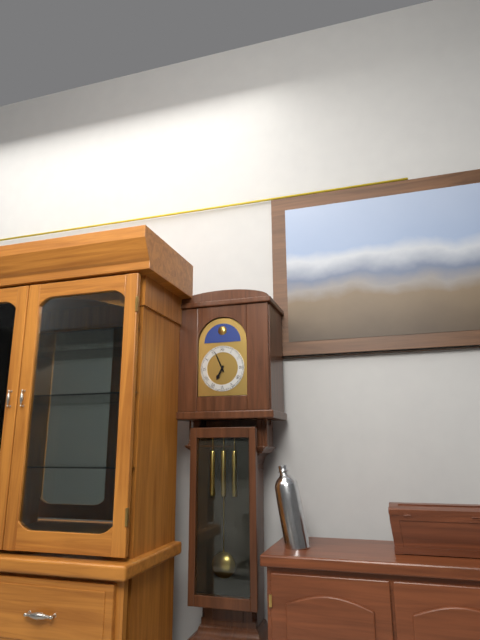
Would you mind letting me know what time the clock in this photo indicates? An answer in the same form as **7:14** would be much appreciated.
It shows **6:56**
